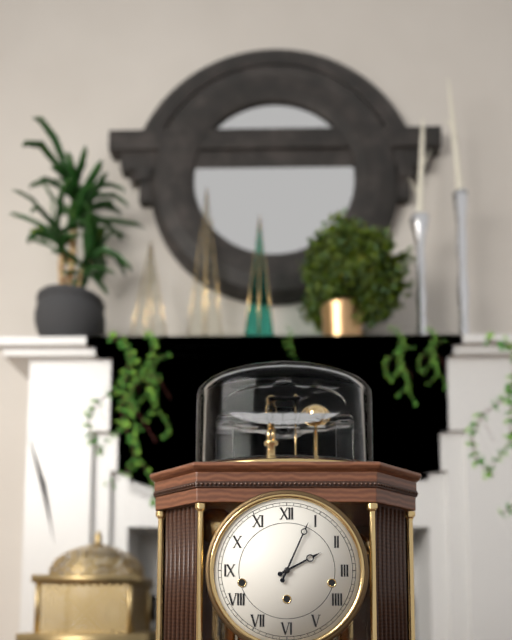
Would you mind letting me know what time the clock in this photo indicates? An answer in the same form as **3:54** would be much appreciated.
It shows **2:04**
